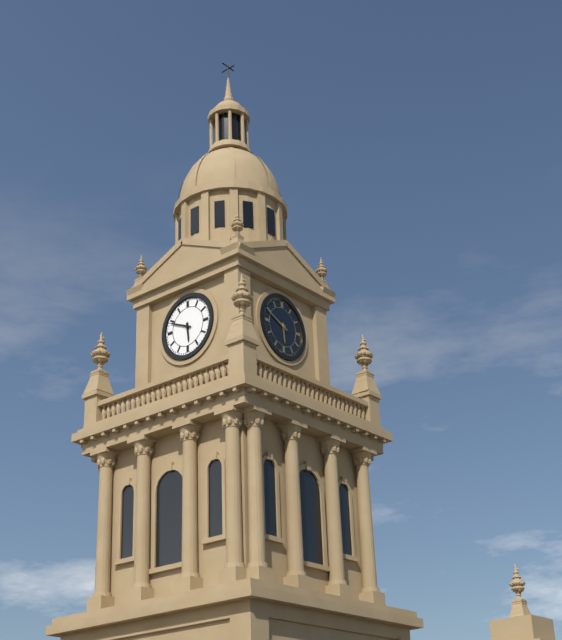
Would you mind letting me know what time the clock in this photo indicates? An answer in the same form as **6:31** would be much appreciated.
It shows **5:49**
